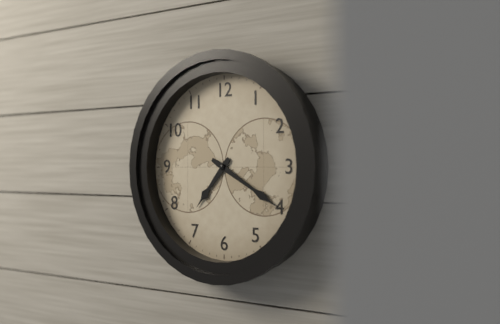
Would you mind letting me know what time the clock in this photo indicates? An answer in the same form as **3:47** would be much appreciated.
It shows **7:20**
